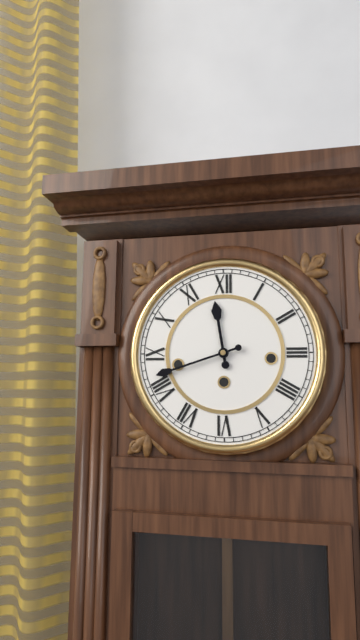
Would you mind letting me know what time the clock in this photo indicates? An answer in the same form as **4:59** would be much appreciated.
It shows **11:42**
